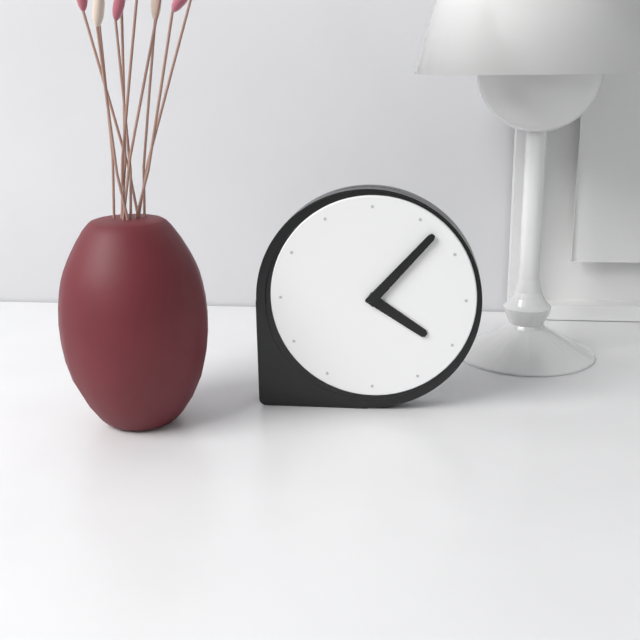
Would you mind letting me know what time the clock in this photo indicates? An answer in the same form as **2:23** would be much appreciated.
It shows **4:07**
